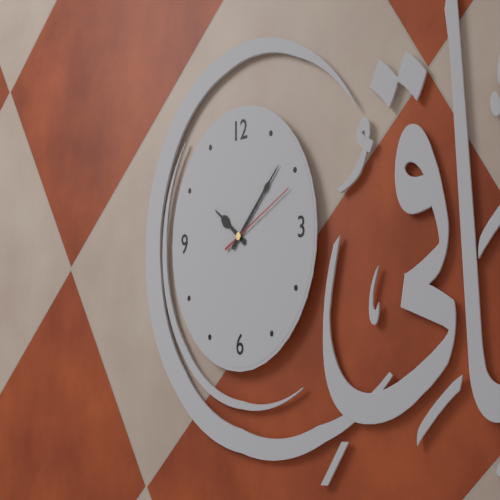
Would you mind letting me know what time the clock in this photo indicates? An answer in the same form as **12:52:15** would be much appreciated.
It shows **10:08:11**
